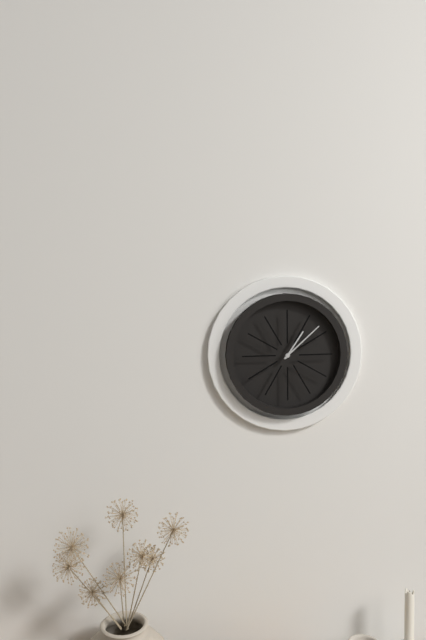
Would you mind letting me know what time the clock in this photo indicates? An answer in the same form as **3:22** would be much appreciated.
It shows **1:08**
